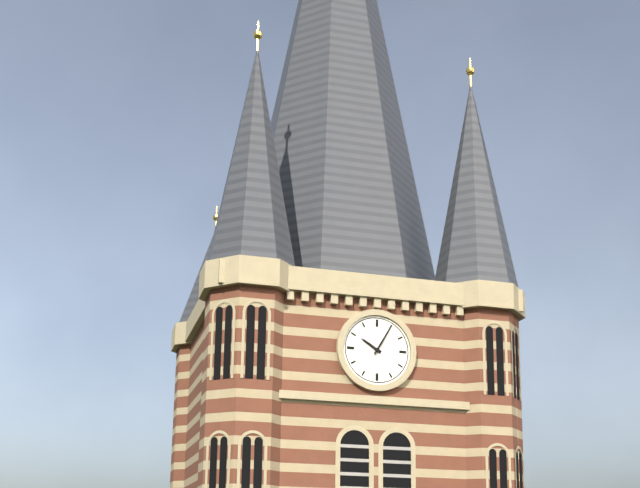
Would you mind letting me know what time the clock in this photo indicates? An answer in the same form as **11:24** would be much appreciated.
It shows **10:05**
